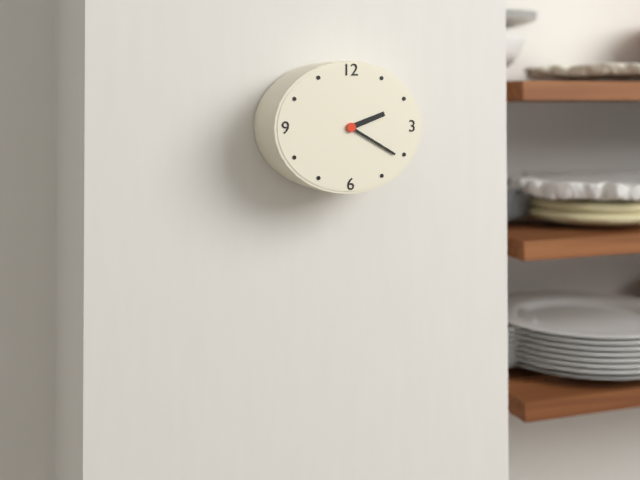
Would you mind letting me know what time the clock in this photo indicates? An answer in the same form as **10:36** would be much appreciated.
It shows **2:20**
